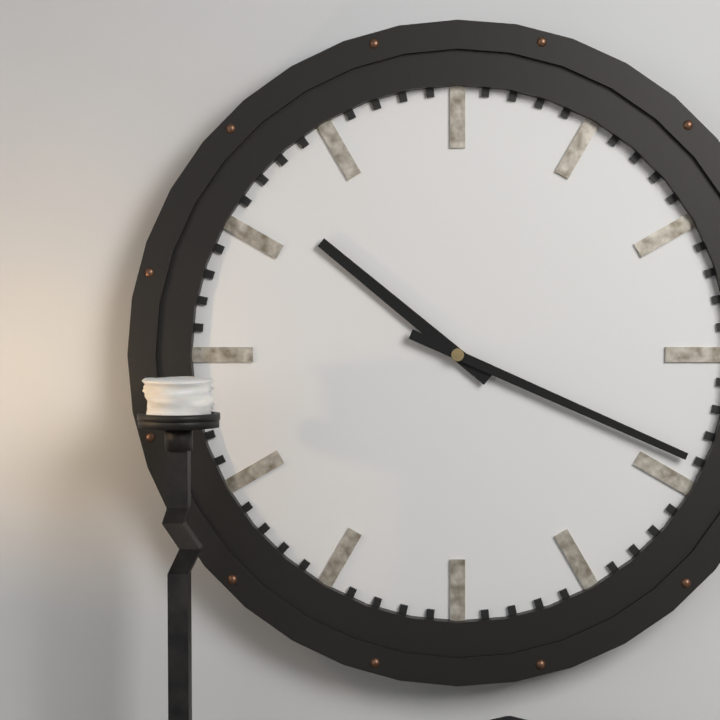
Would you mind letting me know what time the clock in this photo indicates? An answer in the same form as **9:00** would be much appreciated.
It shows **10:19**
